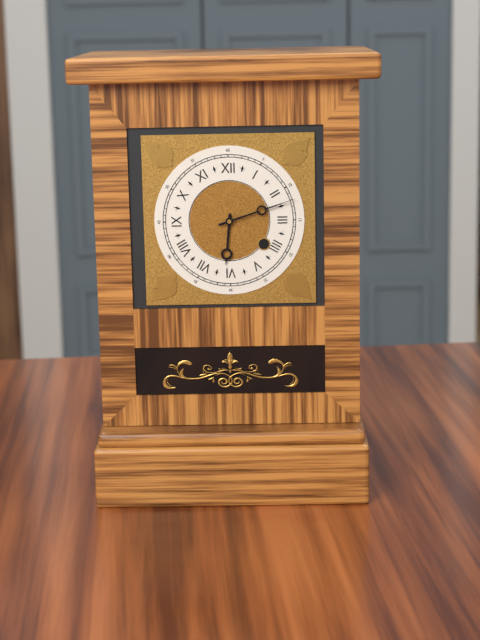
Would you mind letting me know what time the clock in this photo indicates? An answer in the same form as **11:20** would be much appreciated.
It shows **6:12**
